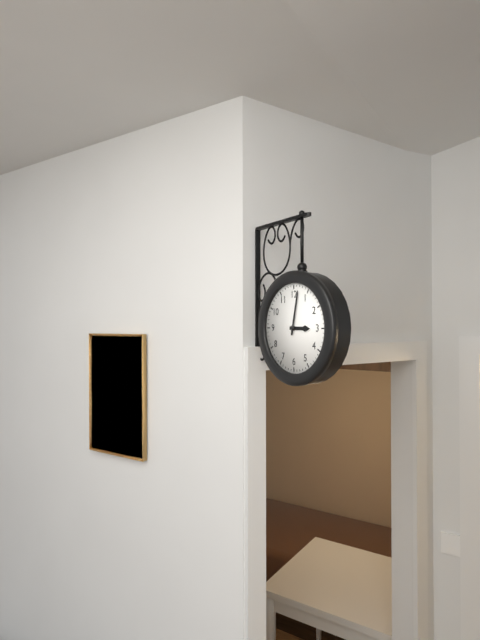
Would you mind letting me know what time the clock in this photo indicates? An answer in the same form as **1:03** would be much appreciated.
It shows **3:02**
